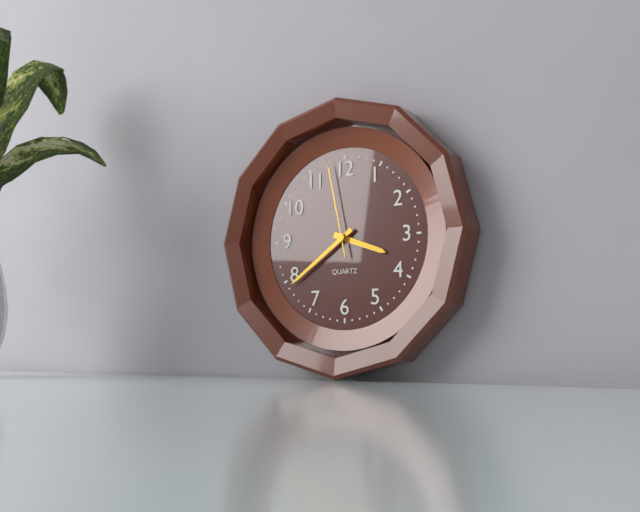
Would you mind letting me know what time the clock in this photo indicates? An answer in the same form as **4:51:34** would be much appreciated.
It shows **3:39:58**
